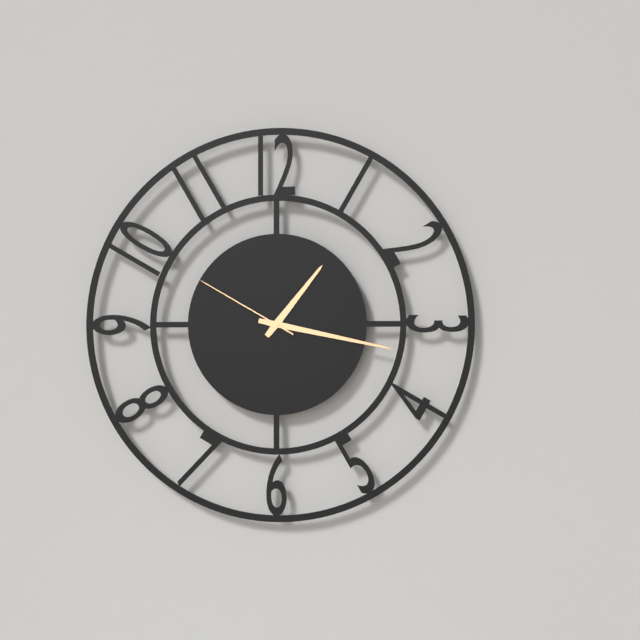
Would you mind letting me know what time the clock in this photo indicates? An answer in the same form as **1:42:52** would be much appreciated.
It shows **1:17:50**
